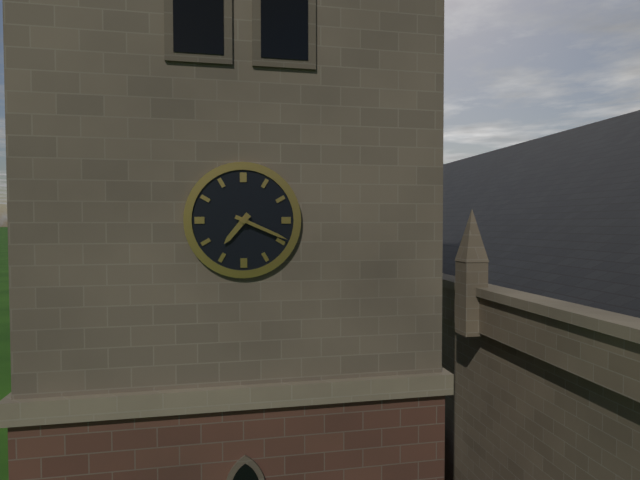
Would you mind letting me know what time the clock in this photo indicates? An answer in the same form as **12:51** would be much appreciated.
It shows **7:19**
